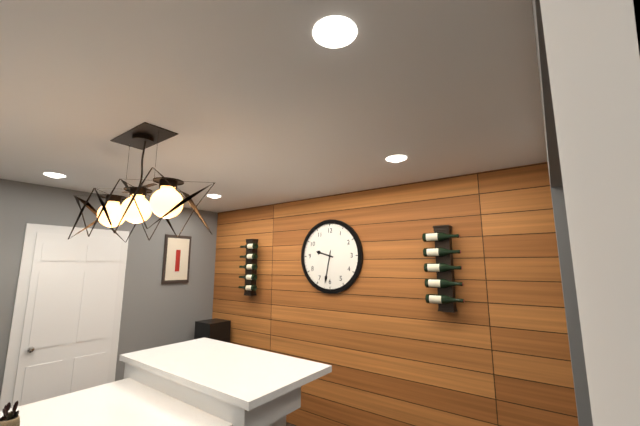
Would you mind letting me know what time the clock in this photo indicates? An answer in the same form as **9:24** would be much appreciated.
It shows **9:32**
